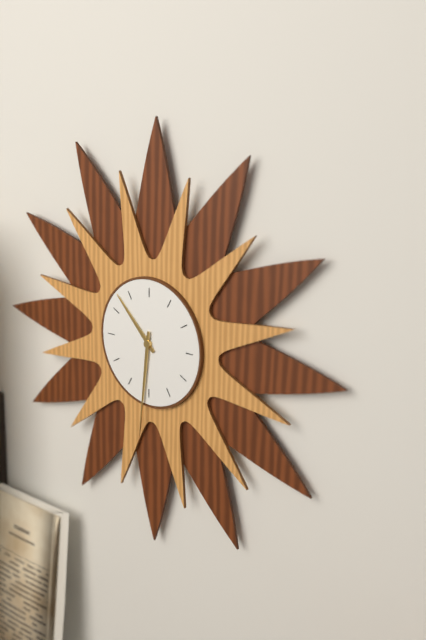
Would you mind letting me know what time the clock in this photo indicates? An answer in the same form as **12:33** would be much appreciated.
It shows **10:31**
